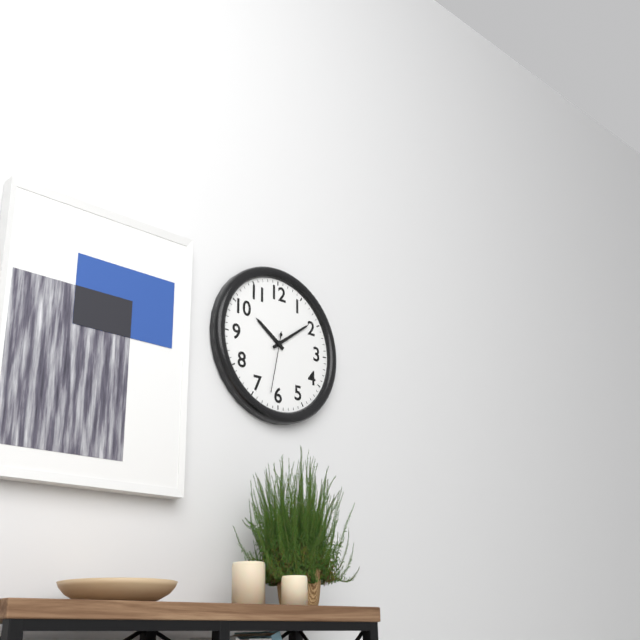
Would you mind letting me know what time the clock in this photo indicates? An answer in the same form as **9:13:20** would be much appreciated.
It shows **10:09:32**
